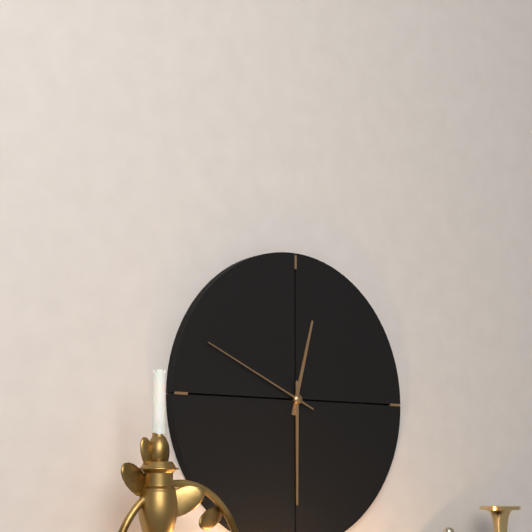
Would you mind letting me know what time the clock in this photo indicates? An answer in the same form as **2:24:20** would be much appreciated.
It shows **12:30:49**
